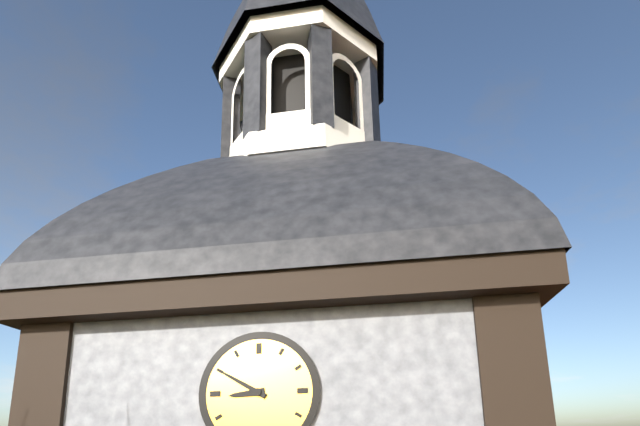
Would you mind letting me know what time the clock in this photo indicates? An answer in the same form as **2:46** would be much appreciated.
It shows **8:50**
